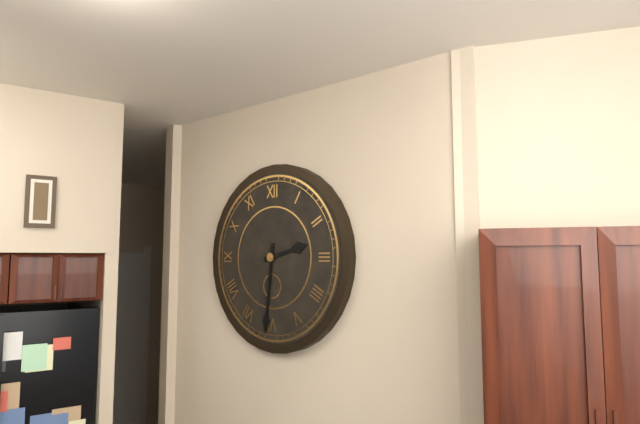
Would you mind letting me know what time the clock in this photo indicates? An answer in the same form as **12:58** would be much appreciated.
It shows **2:31**
